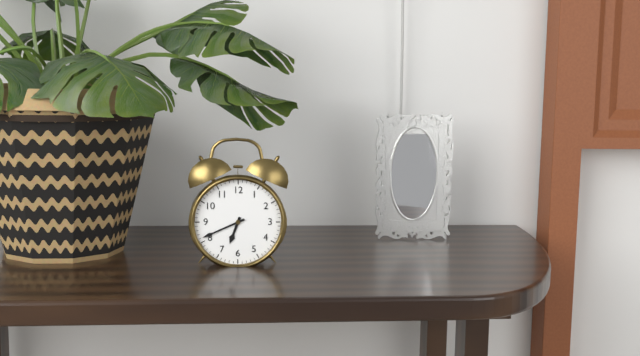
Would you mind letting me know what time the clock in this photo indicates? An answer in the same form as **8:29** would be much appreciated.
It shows **6:41**
